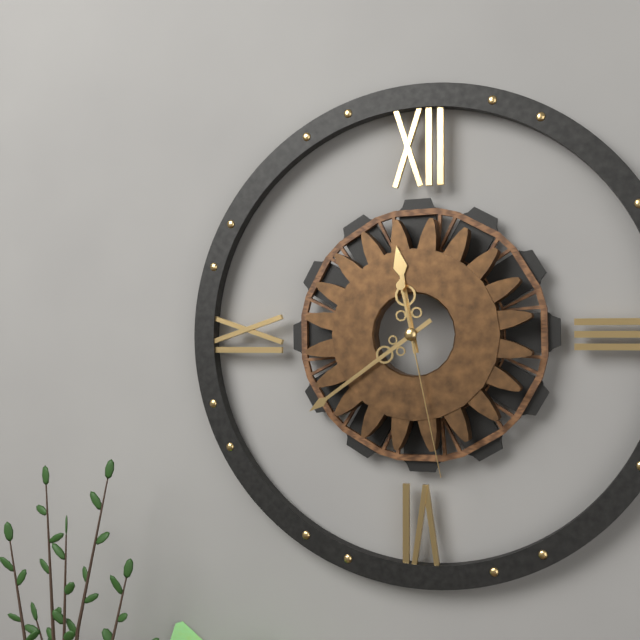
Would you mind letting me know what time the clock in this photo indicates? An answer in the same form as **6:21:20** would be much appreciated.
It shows **11:39:28**
